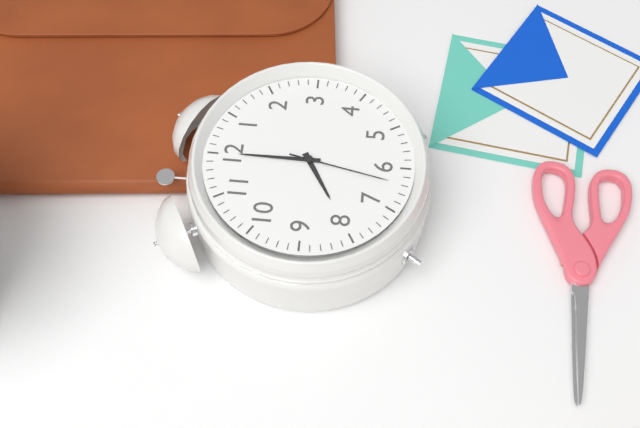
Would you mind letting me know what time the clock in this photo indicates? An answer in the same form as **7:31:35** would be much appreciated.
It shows **8:00:32**
